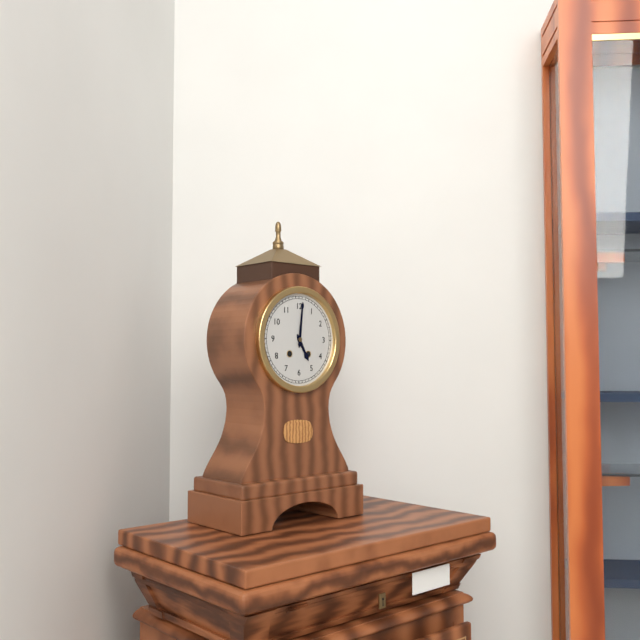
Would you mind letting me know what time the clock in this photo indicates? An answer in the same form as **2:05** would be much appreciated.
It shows **5:01**
